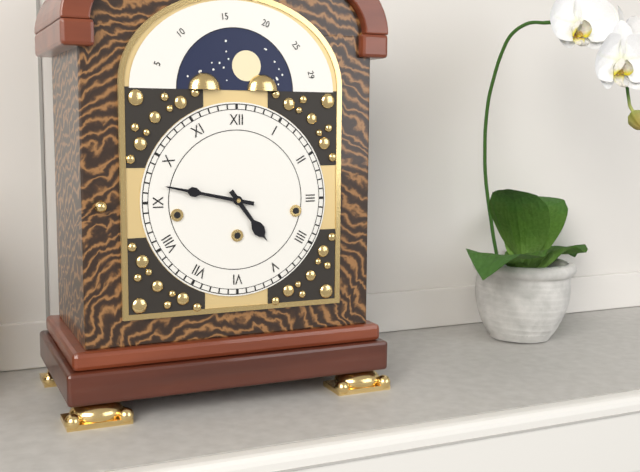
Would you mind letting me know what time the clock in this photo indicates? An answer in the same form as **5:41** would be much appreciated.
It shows **4:47**
